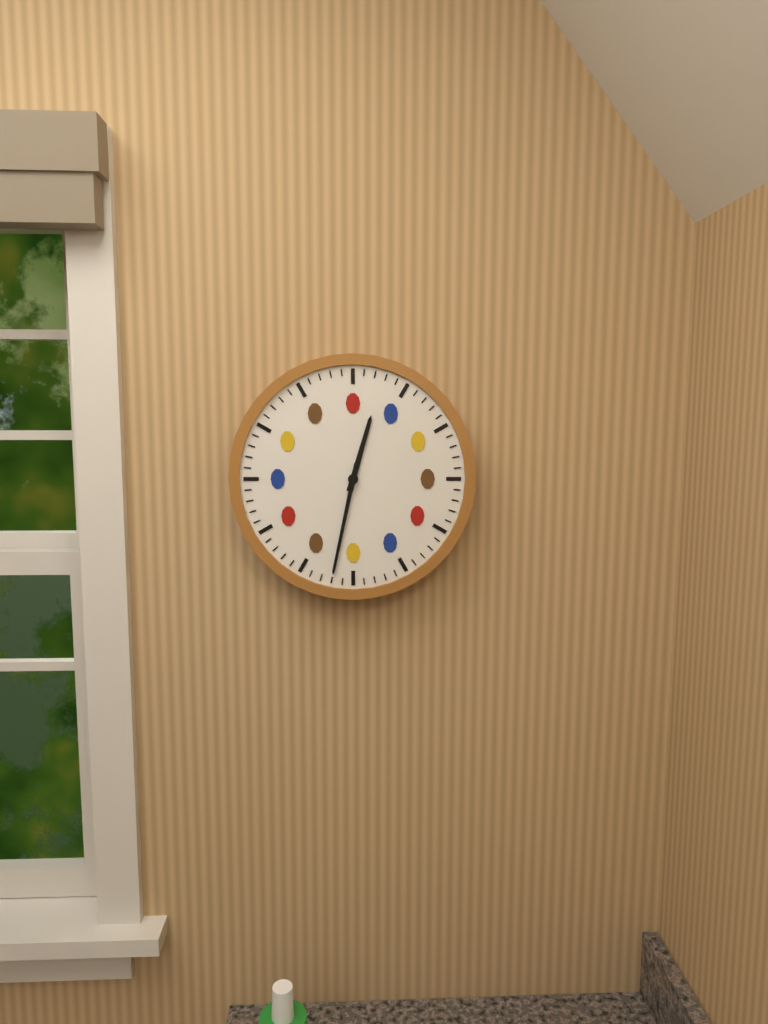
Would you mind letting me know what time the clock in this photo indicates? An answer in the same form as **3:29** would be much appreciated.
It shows **12:32**
